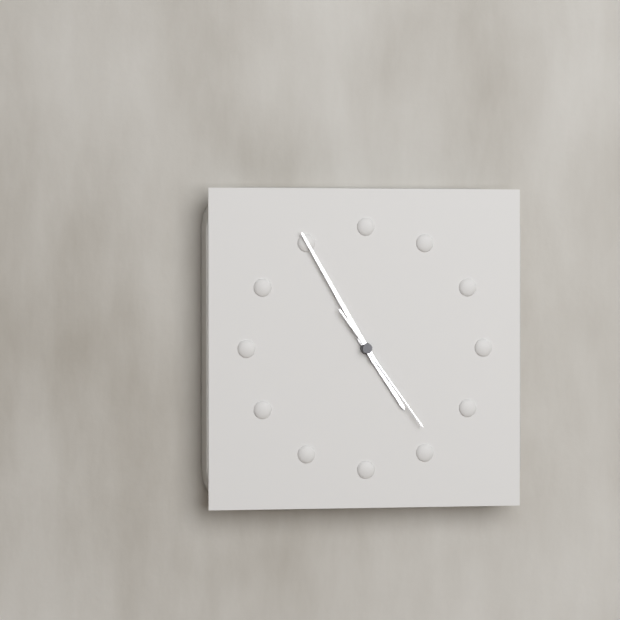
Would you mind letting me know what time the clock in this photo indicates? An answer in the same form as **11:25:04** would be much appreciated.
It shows **4:55:24**
